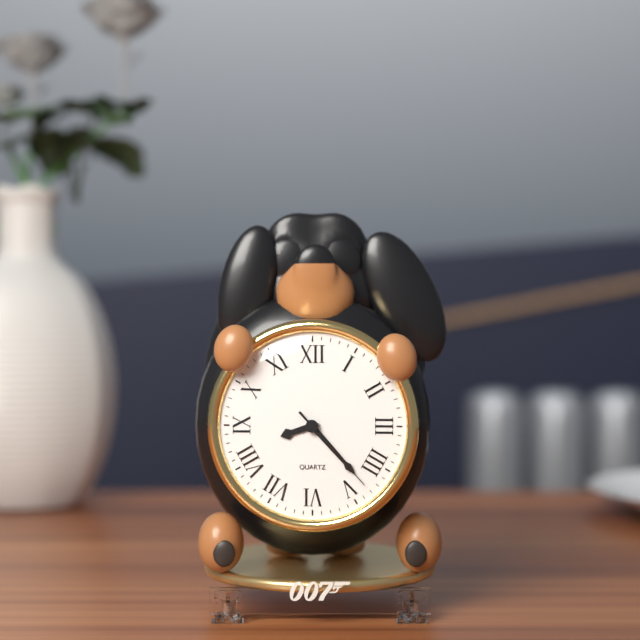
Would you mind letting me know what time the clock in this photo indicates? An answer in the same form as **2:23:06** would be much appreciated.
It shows **8:23:23**
